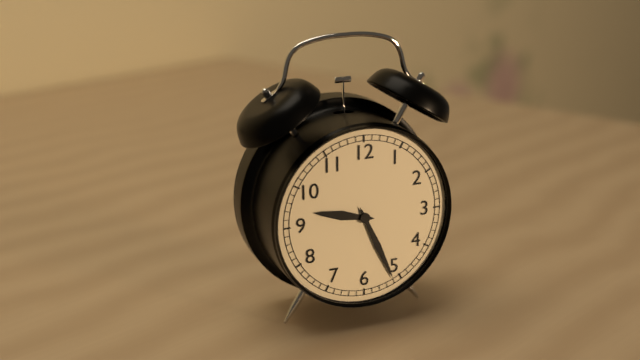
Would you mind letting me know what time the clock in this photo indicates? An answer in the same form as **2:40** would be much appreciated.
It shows **9:26**
